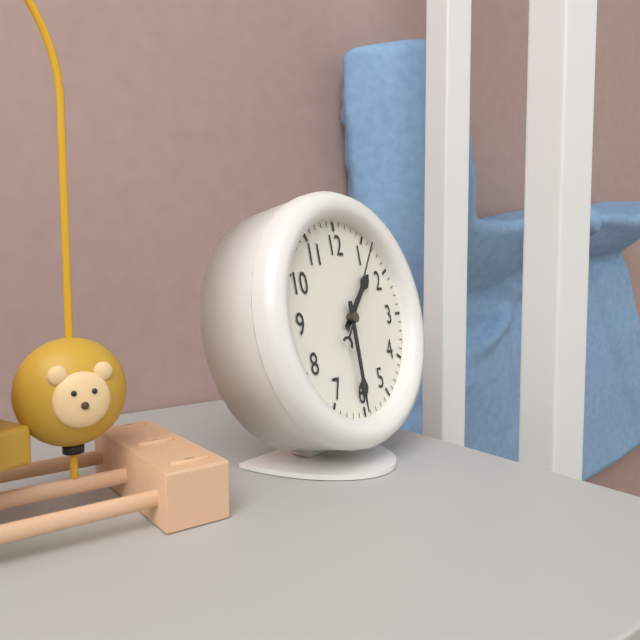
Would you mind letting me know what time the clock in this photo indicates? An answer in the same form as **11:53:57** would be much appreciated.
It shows **1:30:06**
